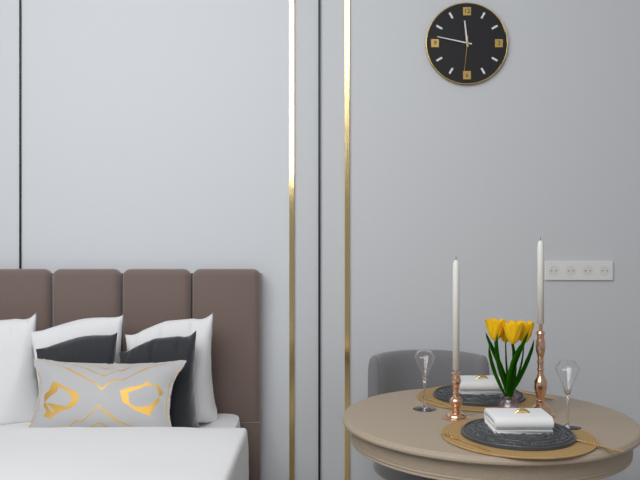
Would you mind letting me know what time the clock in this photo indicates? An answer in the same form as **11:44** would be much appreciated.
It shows **11:47**
